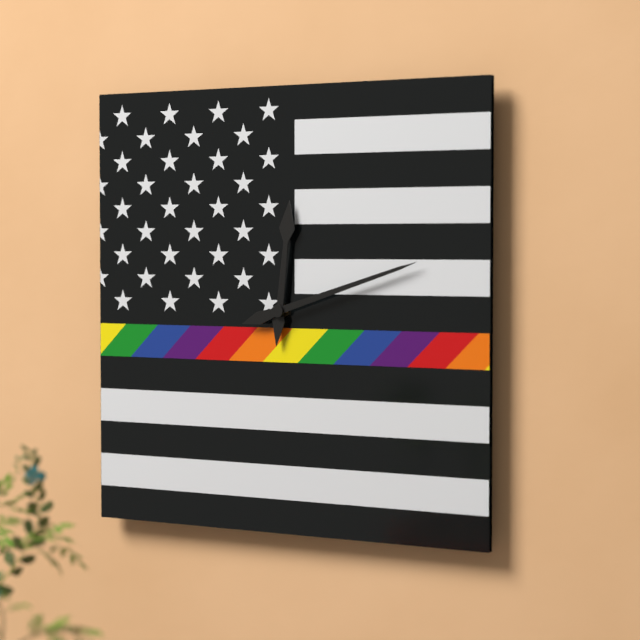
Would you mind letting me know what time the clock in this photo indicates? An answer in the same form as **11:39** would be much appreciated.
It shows **12:12**
